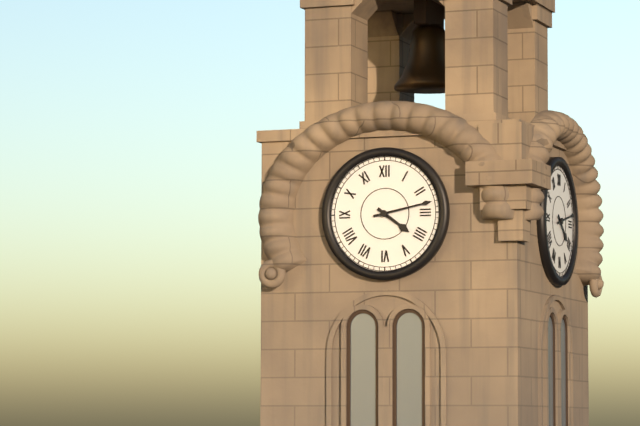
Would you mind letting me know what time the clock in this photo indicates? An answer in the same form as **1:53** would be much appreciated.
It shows **4:13**
